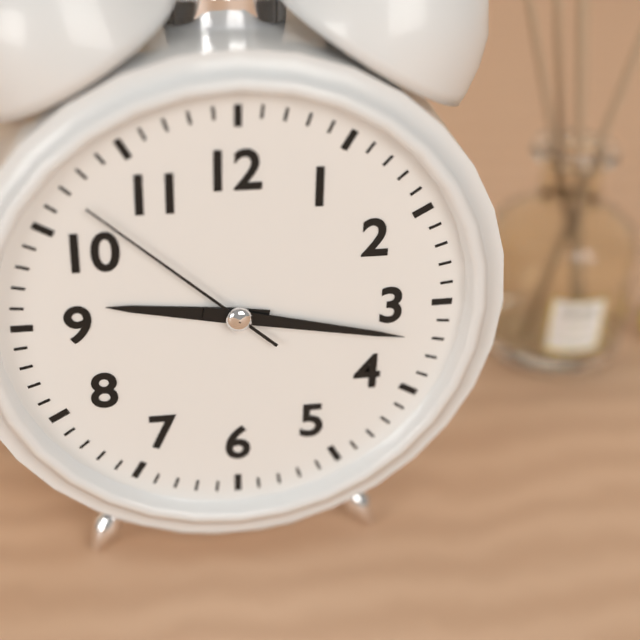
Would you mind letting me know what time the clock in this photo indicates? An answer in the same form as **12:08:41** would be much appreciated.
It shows **9:17:52**
